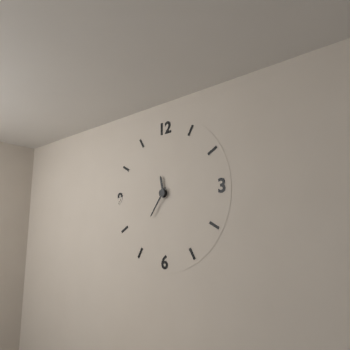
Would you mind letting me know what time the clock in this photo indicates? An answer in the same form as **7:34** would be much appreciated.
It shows **11:36**
